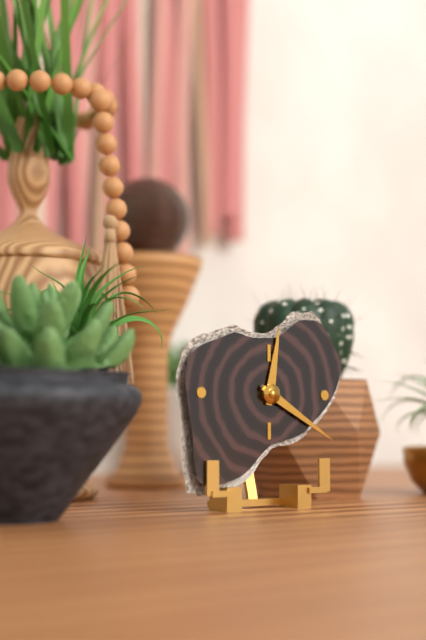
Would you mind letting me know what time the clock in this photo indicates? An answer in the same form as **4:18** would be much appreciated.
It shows **12:20**
